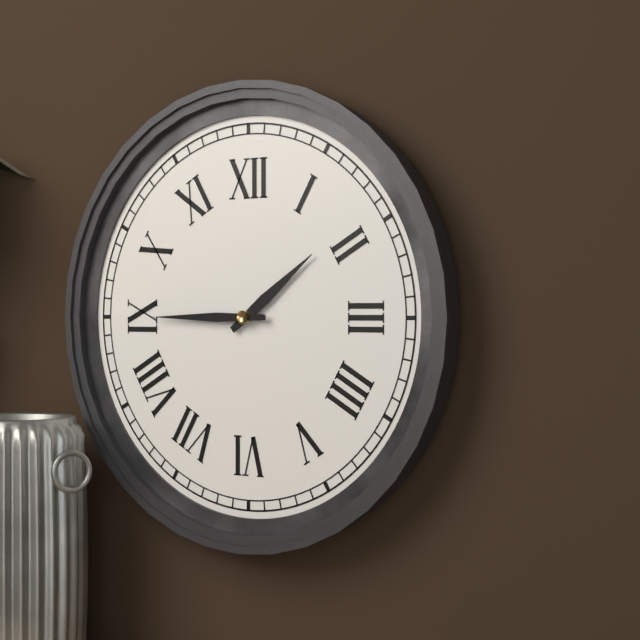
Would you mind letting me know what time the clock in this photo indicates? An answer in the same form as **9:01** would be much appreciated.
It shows **1:45**
